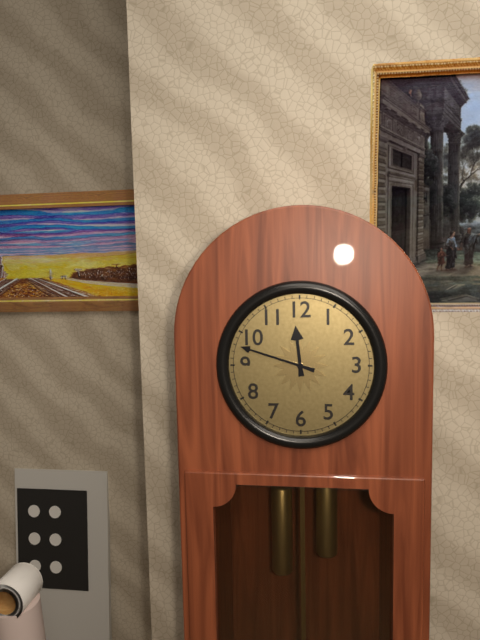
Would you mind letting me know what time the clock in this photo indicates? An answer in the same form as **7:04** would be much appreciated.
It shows **11:48**
